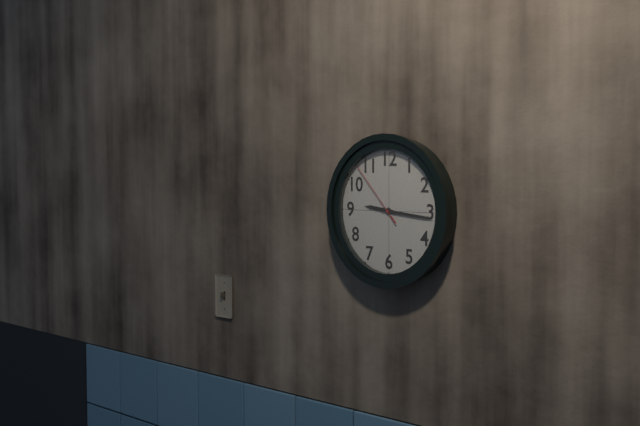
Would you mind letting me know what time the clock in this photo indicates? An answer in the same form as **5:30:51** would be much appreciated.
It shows **9:16:53**
